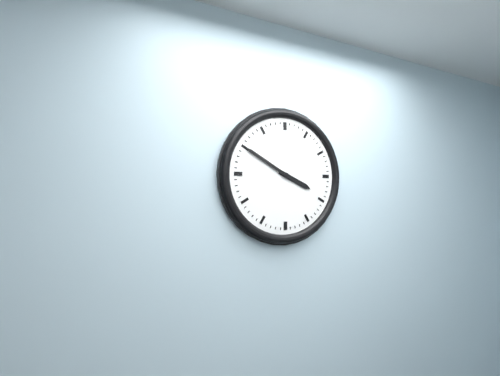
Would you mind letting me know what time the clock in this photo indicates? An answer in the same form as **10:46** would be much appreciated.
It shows **3:50**
